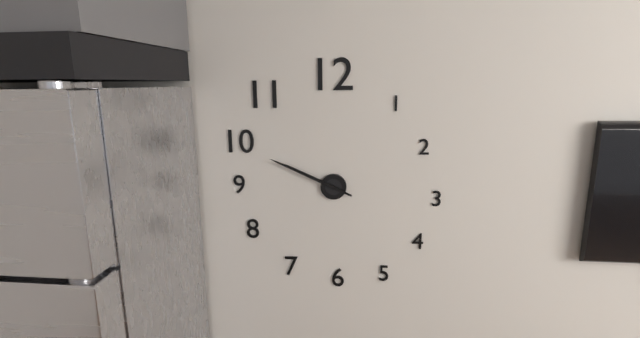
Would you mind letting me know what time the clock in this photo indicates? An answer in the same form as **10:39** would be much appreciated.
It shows **9:49**
